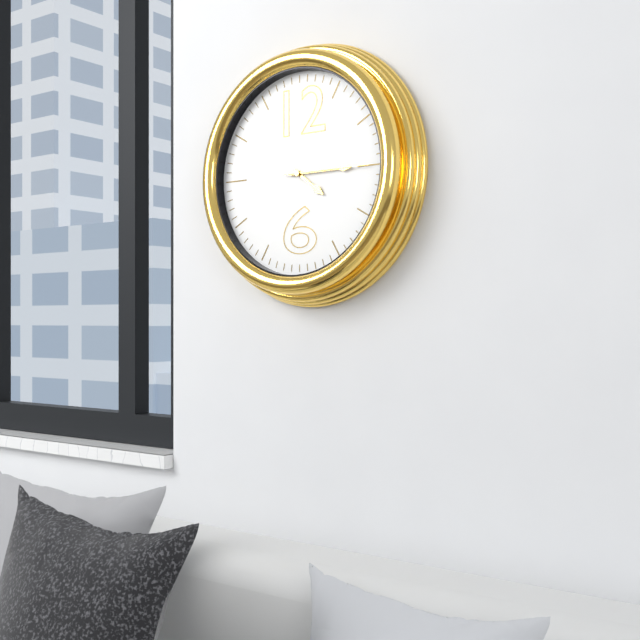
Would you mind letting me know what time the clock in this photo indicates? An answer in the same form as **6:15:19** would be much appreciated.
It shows **4:15:15**
